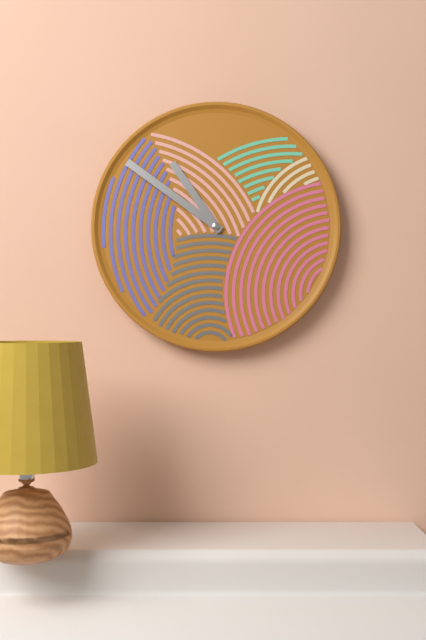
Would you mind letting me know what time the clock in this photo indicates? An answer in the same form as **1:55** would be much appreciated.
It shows **10:51**
